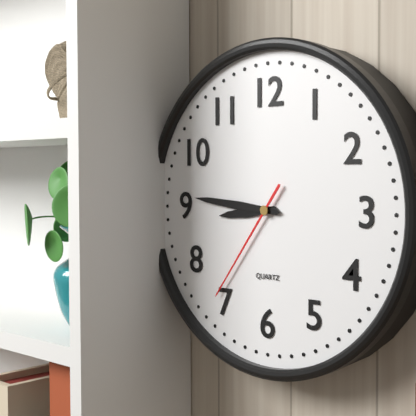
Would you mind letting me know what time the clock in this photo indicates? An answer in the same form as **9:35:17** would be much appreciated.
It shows **8:46:36**
